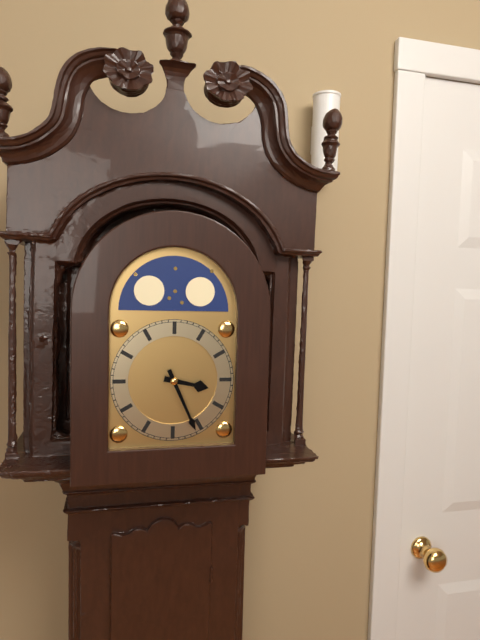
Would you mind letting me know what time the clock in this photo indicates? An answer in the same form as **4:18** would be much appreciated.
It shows **3:26**
